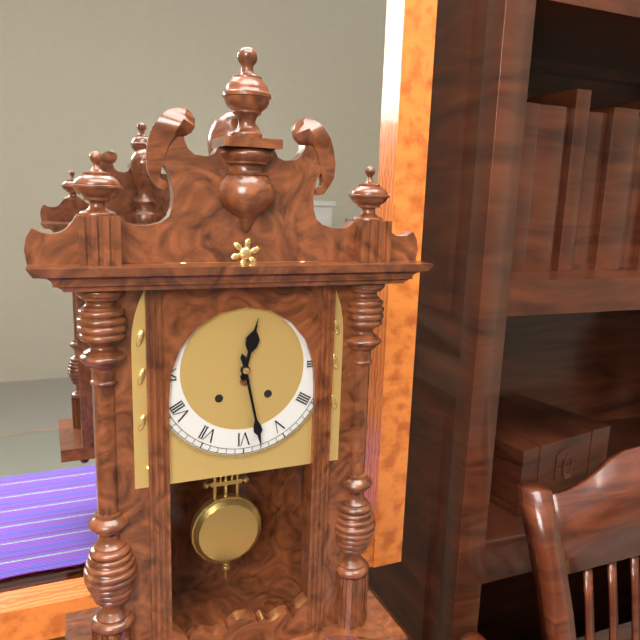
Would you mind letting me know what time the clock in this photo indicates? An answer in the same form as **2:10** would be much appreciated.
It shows **12:28**
